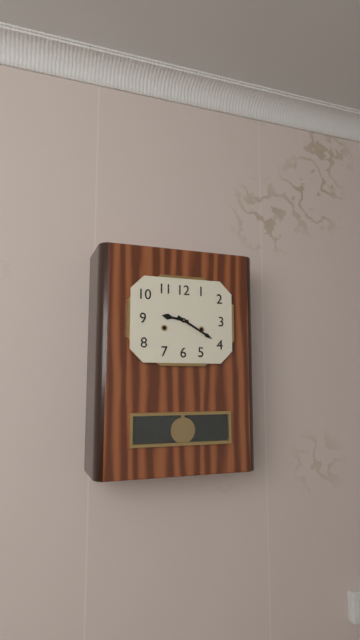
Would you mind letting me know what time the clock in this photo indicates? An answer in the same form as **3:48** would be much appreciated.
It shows **9:20**
